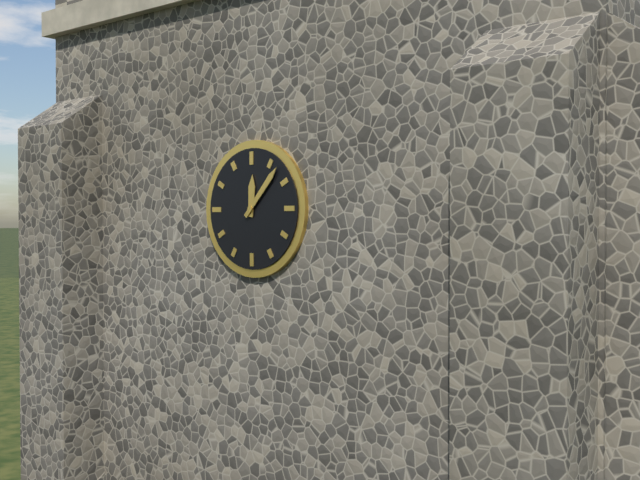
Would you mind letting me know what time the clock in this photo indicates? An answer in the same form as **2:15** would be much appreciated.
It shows **12:07**
